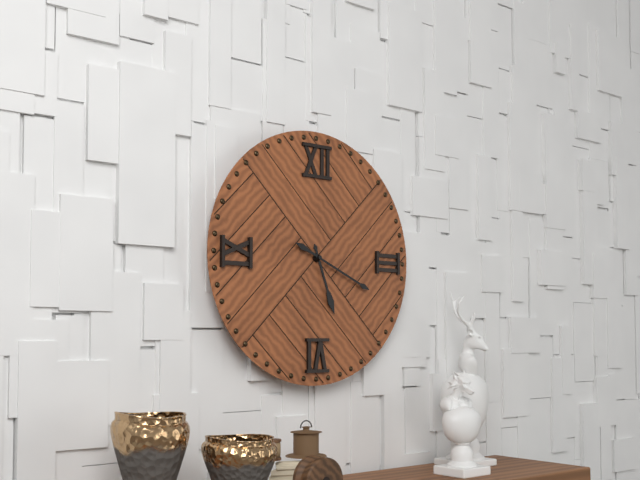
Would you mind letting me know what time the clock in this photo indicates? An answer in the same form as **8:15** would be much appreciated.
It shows **5:19**
